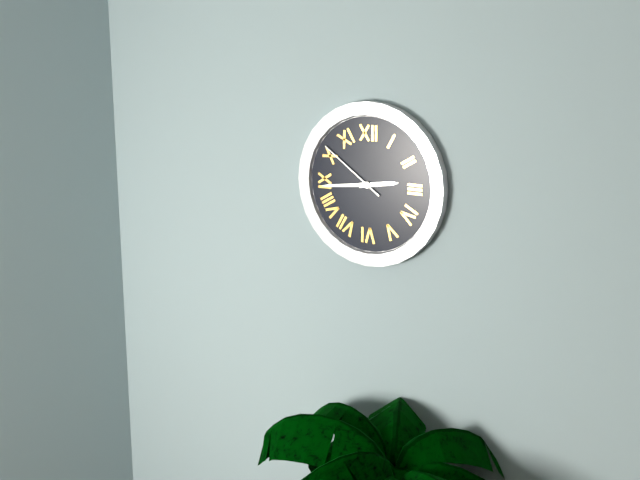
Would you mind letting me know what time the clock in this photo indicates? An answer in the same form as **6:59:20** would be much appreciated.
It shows **2:44:51**
